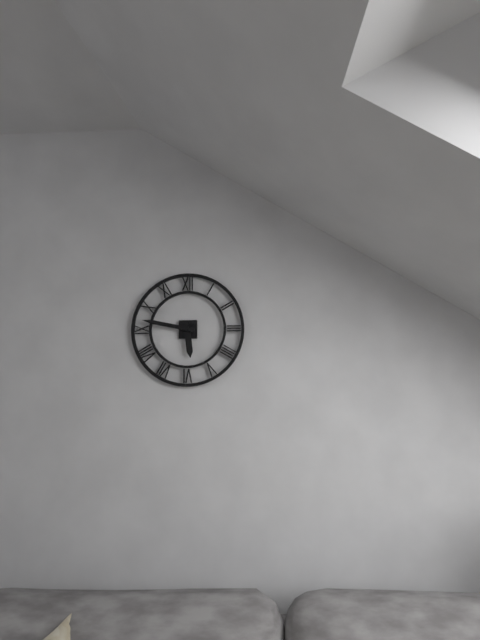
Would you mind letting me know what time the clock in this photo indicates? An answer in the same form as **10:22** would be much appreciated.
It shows **5:47**
